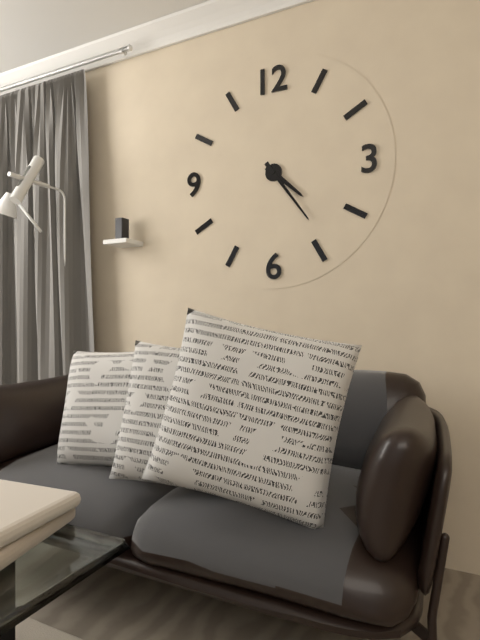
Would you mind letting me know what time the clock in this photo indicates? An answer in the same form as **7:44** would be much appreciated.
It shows **4:24**
